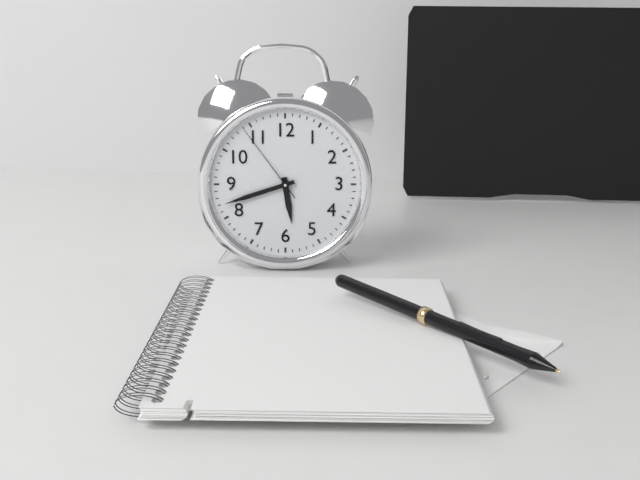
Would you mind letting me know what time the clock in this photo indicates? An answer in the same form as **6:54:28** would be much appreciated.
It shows **5:42:54**
